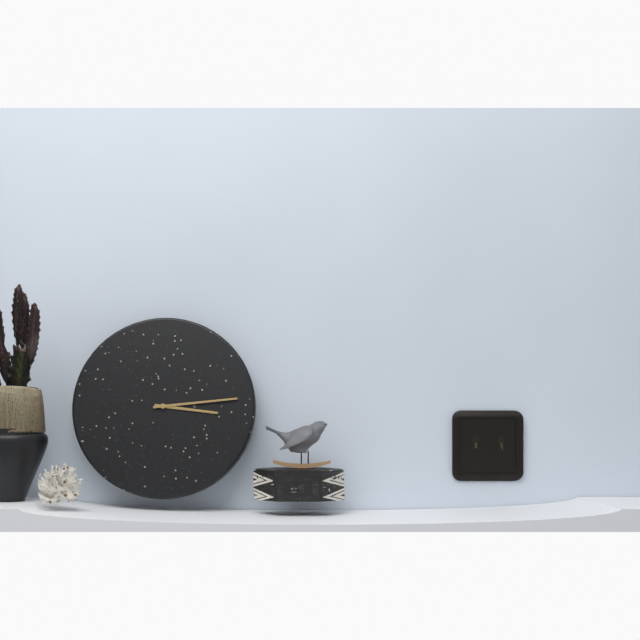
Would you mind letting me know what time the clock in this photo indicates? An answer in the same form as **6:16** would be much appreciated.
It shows **3:14**
